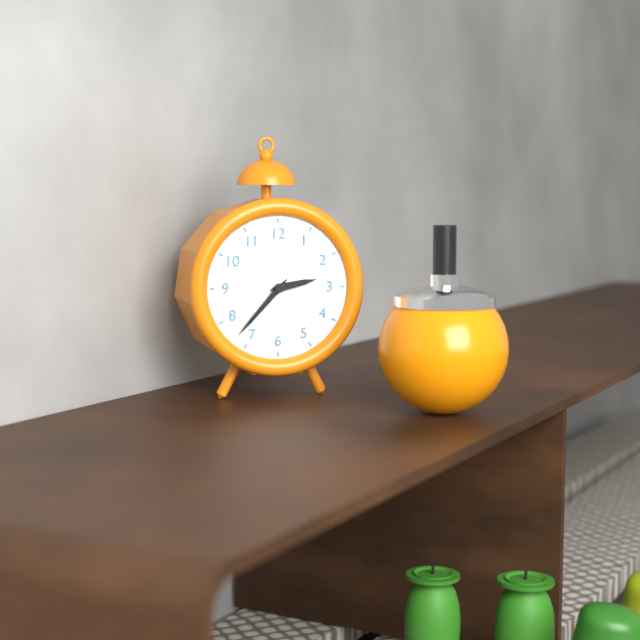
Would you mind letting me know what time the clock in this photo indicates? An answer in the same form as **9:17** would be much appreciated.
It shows **2:37**
